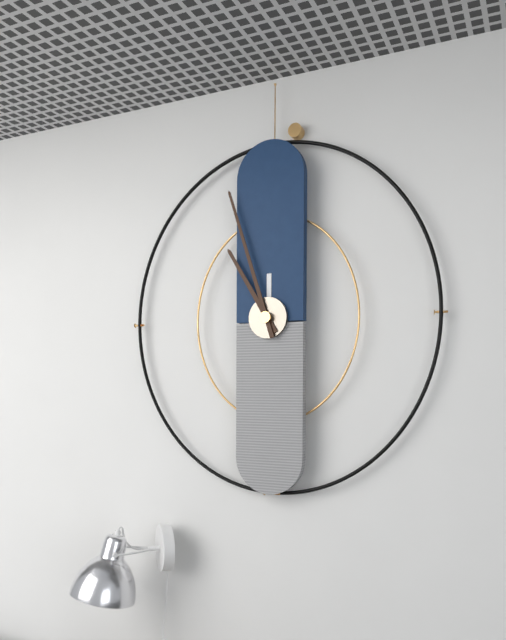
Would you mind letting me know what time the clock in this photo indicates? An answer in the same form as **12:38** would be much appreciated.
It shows **10:57**
